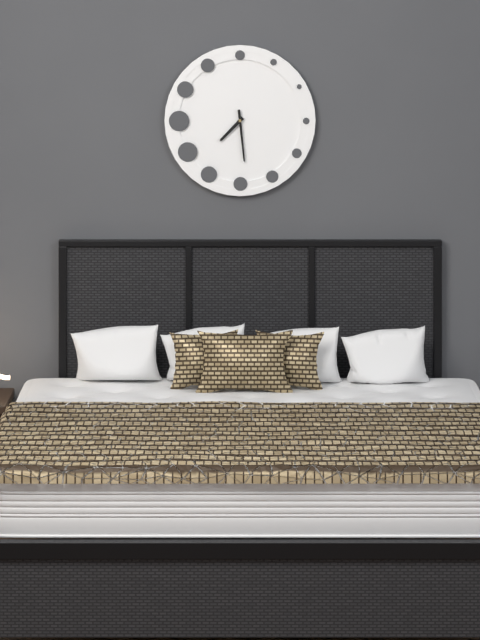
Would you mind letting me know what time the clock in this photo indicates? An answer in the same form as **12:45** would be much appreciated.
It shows **7:29**
